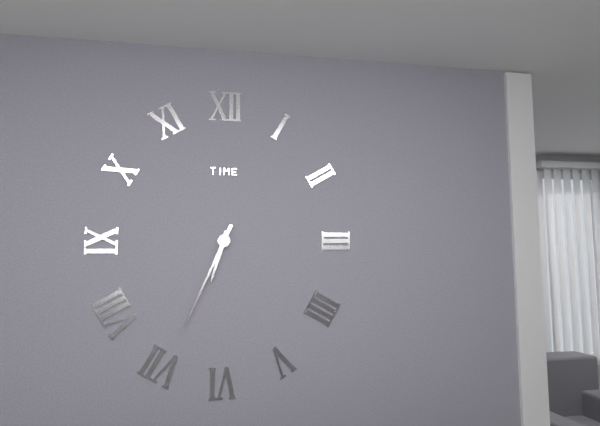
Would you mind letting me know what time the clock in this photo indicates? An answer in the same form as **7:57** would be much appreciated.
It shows **6:34**
